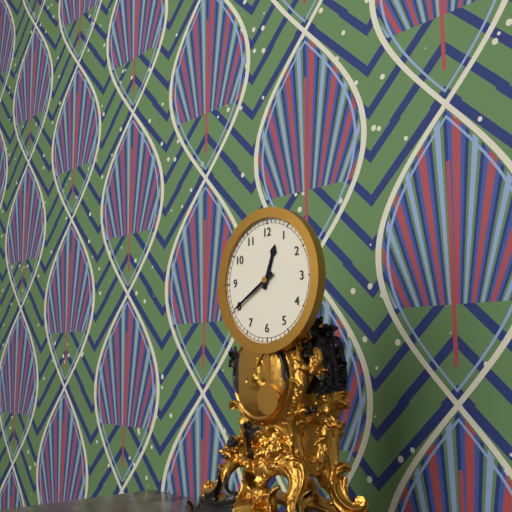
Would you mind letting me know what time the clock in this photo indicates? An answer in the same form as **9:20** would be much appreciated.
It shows **12:40**
